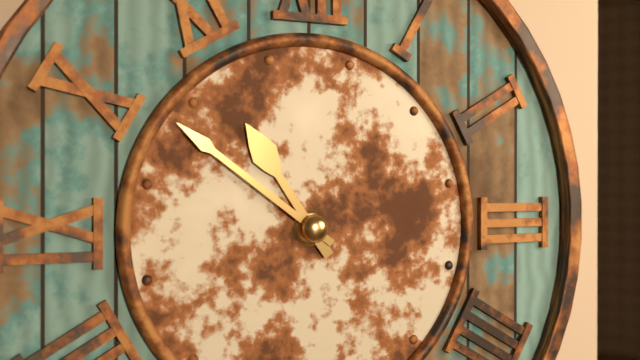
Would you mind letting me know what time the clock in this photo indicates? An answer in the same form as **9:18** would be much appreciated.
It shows **10:51**
